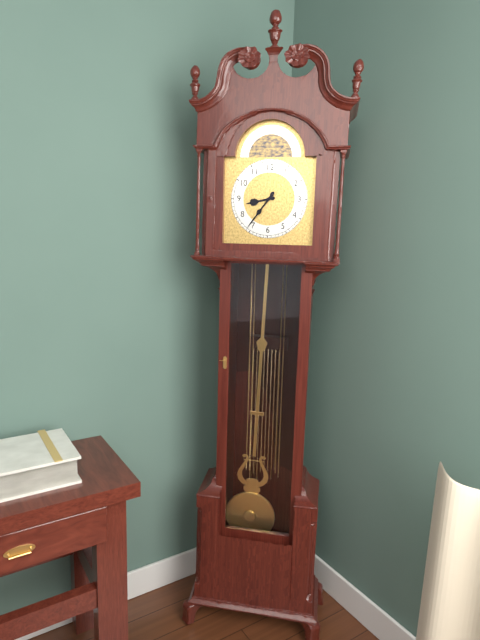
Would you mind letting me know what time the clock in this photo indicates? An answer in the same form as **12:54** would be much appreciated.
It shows **8:36**
